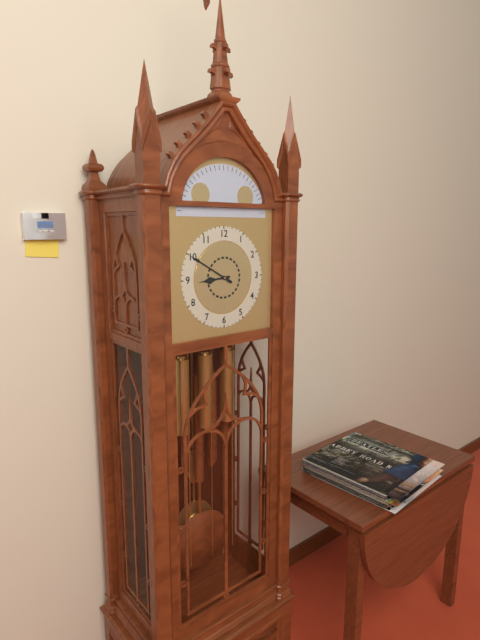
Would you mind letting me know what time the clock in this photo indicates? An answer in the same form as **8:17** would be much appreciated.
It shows **8:50**
